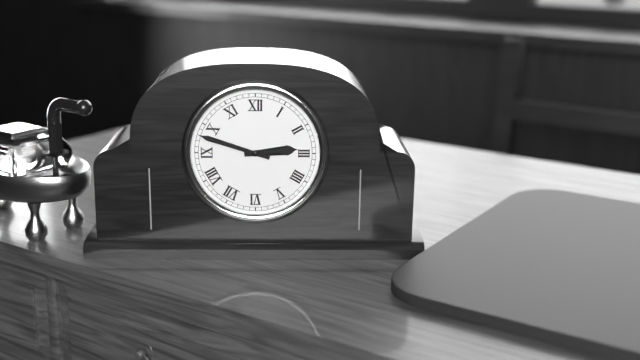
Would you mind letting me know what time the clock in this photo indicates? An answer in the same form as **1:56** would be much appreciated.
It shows **2:48**
